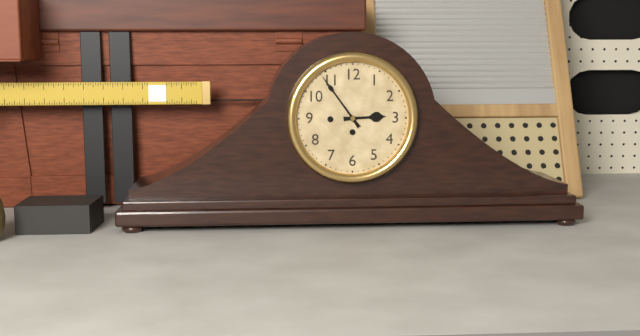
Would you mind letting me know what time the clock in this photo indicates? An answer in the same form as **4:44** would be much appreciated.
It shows **2:54**
